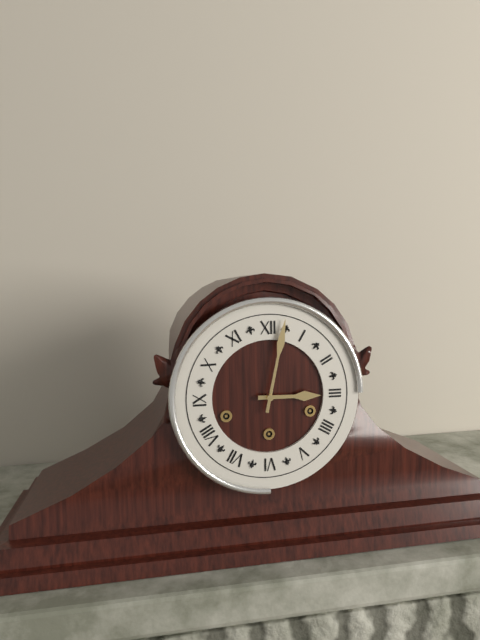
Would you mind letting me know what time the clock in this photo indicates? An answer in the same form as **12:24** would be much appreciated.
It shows **3:02**
